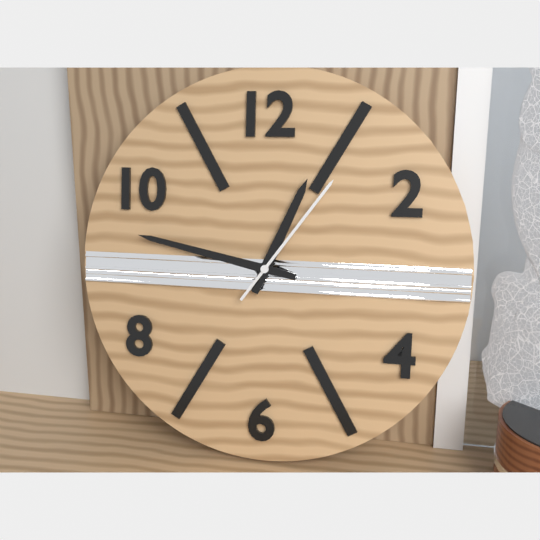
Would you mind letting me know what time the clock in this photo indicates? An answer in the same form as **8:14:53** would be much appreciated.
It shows **12:47:06**
